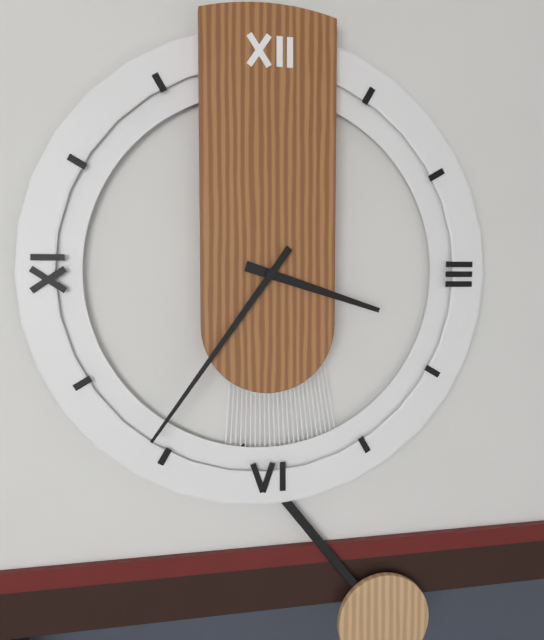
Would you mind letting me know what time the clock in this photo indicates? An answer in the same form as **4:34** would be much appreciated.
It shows **3:36**
